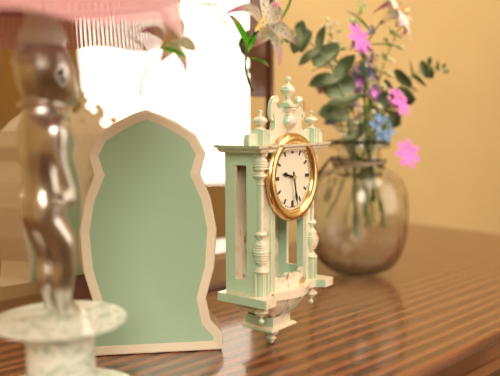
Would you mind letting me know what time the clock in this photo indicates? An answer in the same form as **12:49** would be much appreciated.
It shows **9:28**
